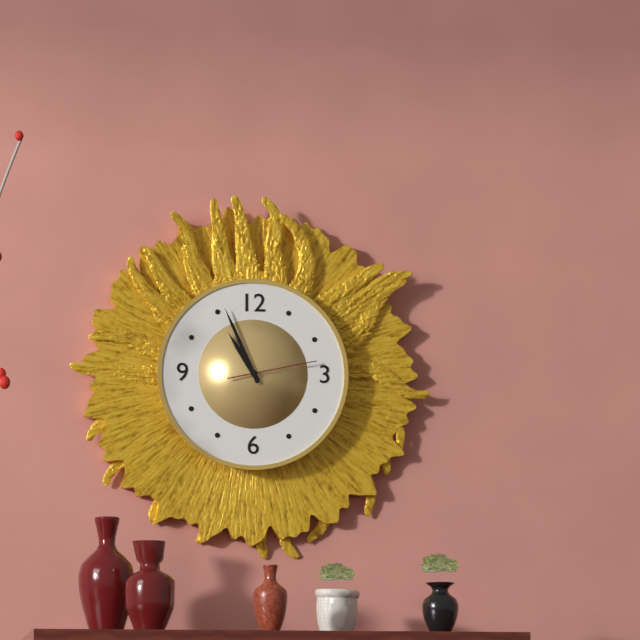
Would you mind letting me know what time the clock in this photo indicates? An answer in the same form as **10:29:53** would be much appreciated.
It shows **10:56:13**
